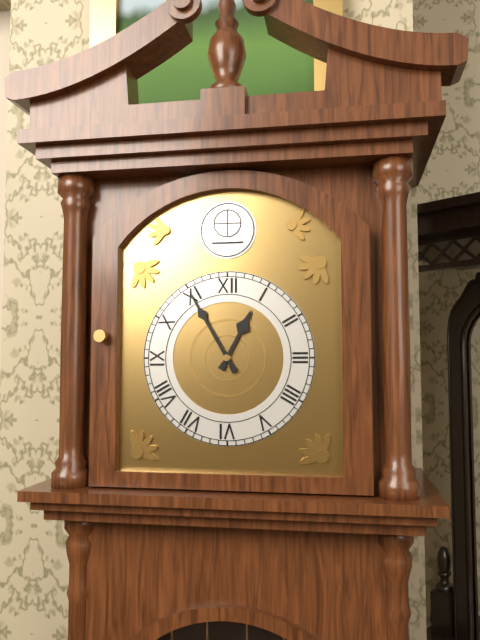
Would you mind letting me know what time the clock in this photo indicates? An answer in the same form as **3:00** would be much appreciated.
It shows **12:55**
